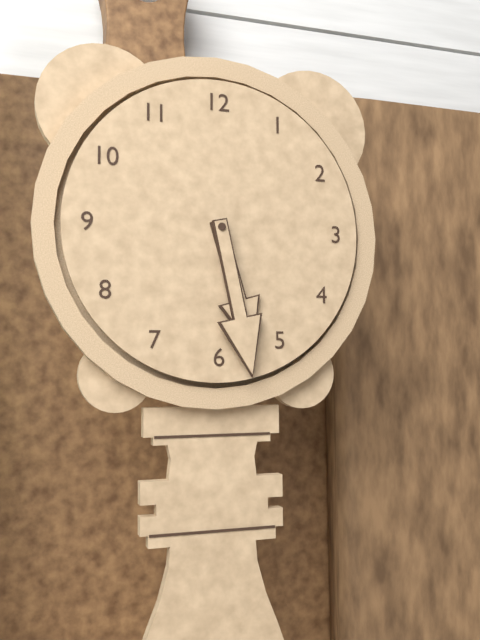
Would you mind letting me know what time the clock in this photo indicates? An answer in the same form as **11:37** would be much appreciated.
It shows **5:28**
